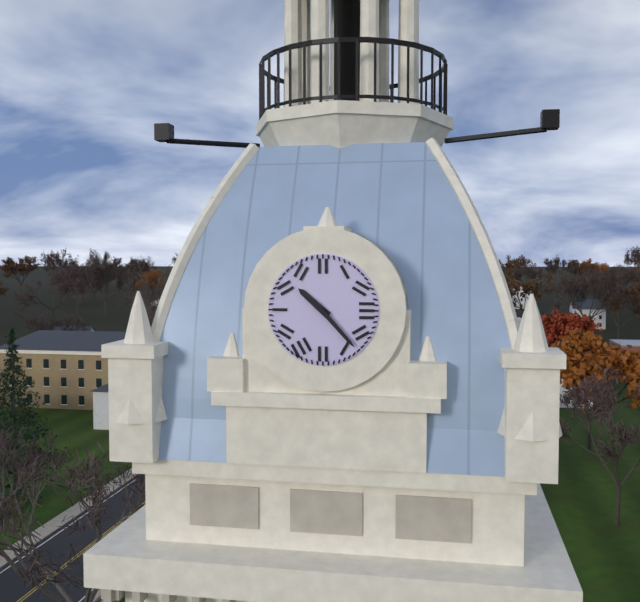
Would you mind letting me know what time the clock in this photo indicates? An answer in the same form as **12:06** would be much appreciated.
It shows **10:23**
